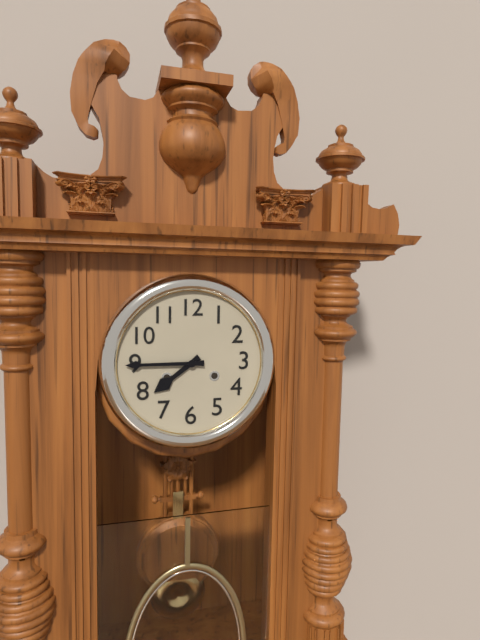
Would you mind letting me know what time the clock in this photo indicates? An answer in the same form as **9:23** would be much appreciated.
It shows **7:45**
